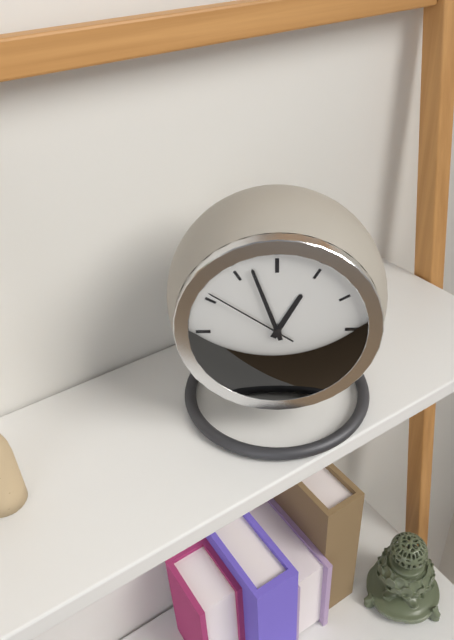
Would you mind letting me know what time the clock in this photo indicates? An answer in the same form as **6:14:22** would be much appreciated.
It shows **12:57:51**
